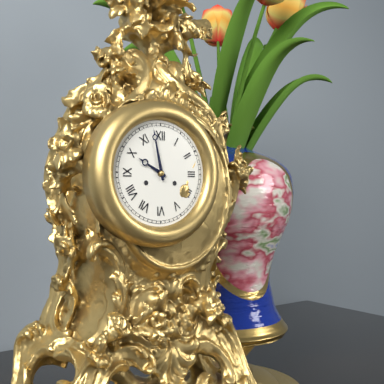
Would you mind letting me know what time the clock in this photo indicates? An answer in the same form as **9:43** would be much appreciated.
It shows **9:58**
